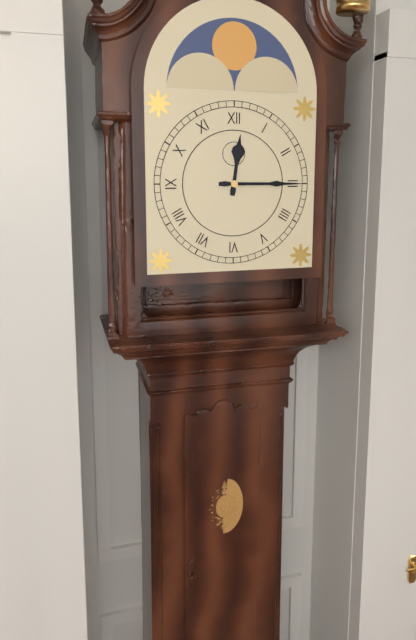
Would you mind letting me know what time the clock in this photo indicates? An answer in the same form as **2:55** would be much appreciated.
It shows **12:15**
